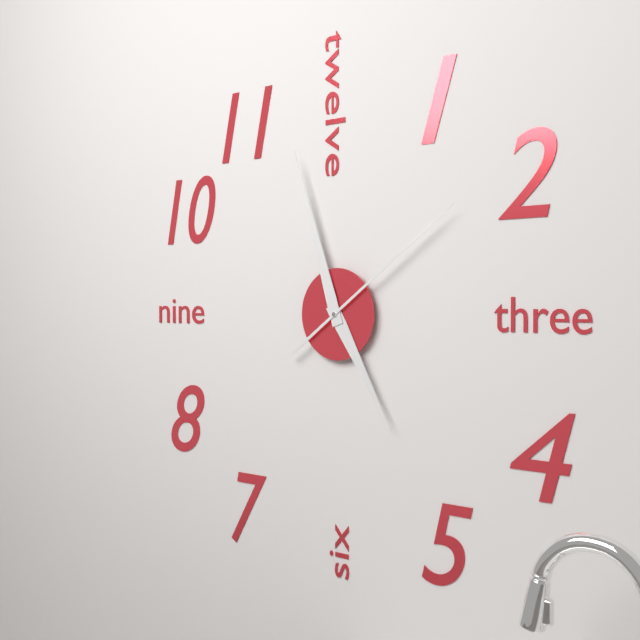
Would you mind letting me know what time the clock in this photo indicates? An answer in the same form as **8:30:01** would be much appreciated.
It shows **4:57:09**
